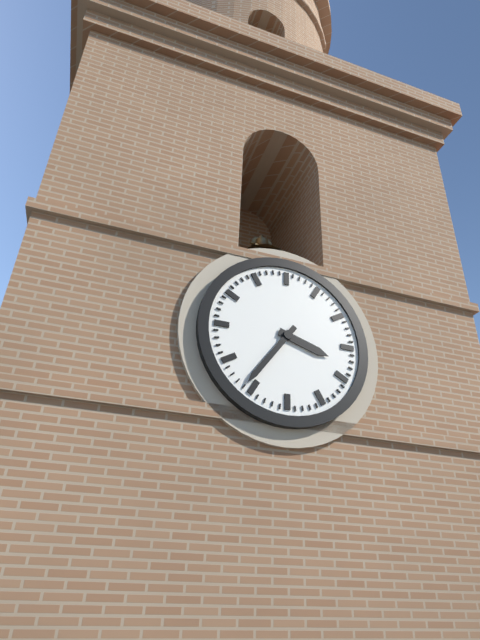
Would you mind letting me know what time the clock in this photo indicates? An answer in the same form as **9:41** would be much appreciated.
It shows **3:36**
